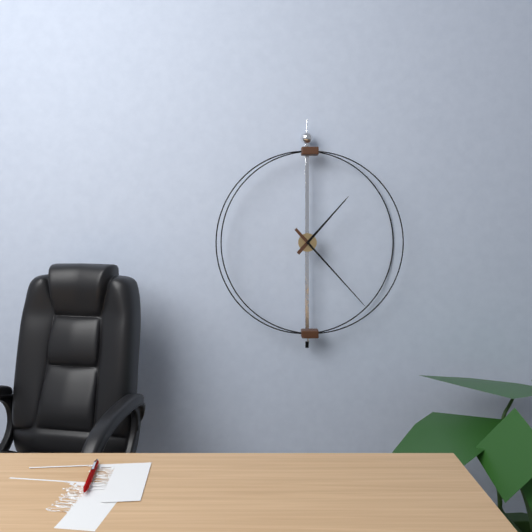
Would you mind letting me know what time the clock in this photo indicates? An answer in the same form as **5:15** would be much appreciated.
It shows **1:23**
